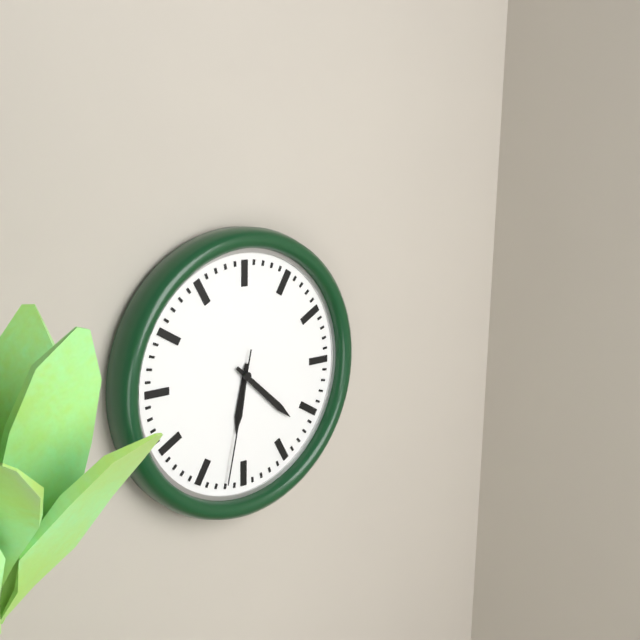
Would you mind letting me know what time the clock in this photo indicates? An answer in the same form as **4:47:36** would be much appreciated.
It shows **6:22:32**
